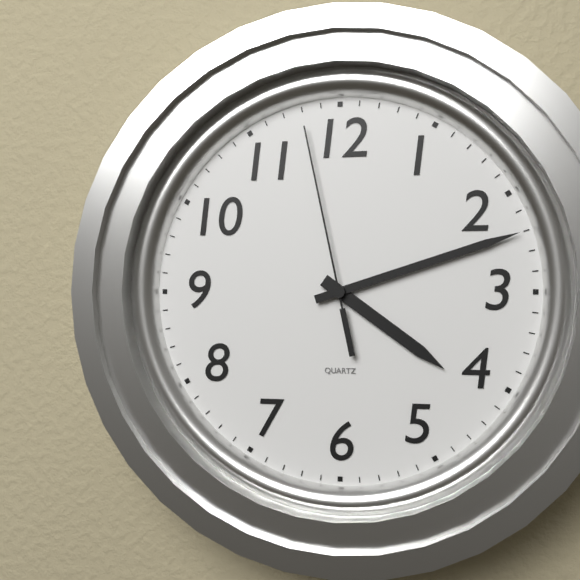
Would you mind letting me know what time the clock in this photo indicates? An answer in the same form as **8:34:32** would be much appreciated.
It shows **4:12:58**
